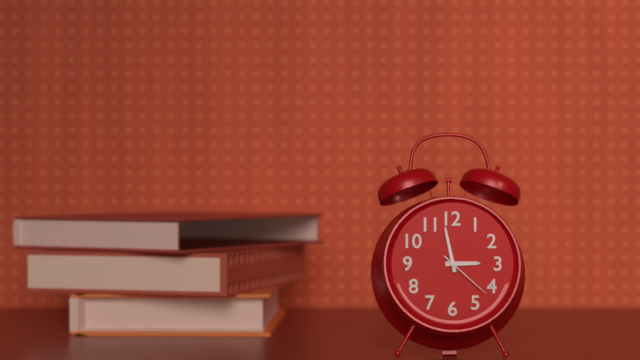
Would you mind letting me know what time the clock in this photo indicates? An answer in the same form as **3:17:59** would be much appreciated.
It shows **2:58:22**
